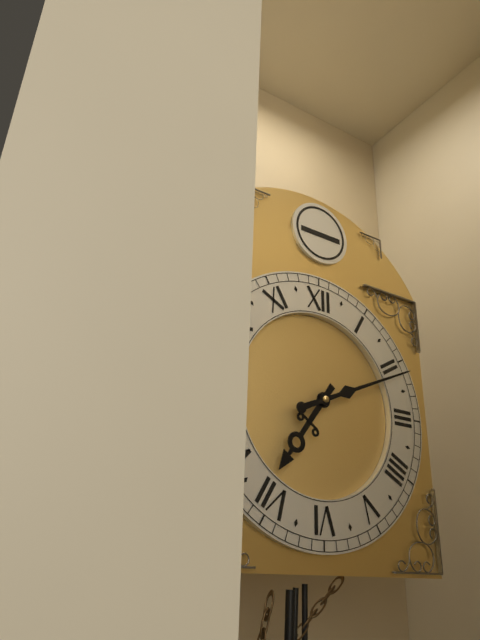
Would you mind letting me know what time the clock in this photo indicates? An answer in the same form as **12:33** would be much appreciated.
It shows **7:11**
